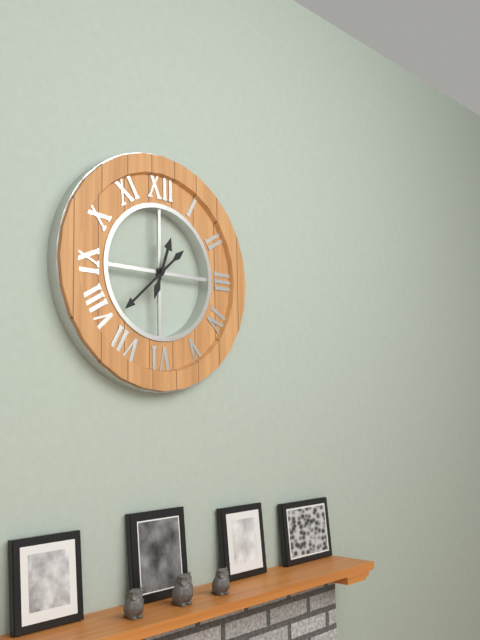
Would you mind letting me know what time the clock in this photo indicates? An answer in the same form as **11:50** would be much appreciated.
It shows **12:38**
